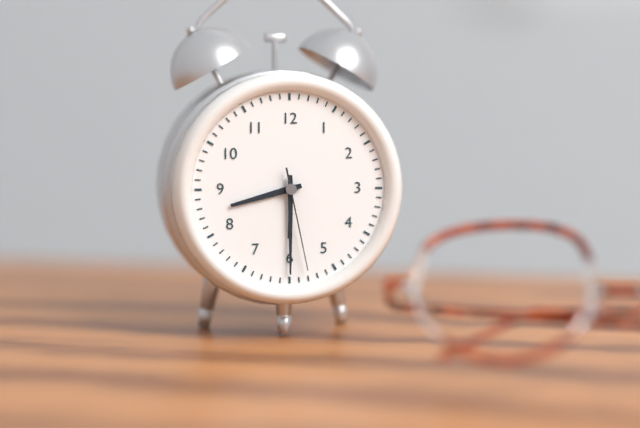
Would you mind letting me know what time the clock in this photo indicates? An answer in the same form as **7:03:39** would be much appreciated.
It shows **8:30:28**
